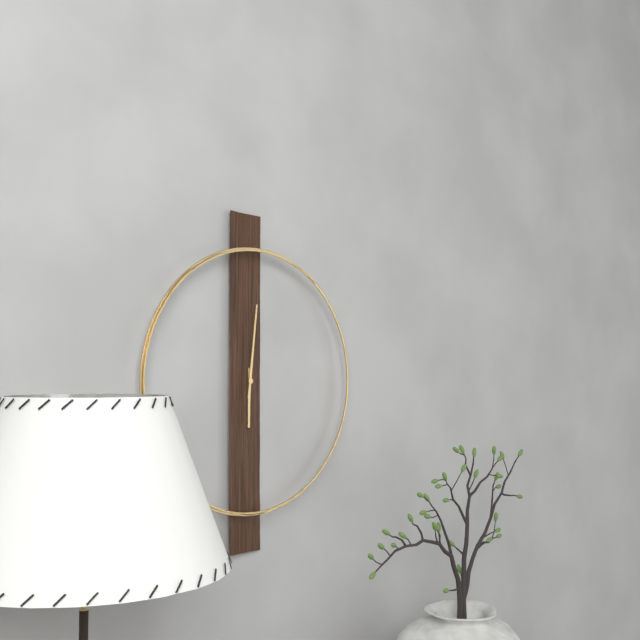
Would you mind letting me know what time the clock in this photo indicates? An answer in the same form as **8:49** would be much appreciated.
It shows **6:01**
